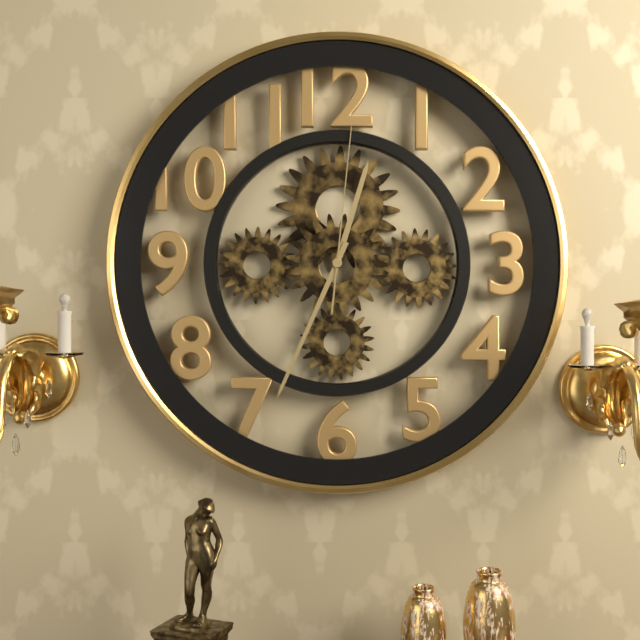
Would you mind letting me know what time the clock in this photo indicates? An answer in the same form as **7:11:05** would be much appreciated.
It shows **12:34:01**
